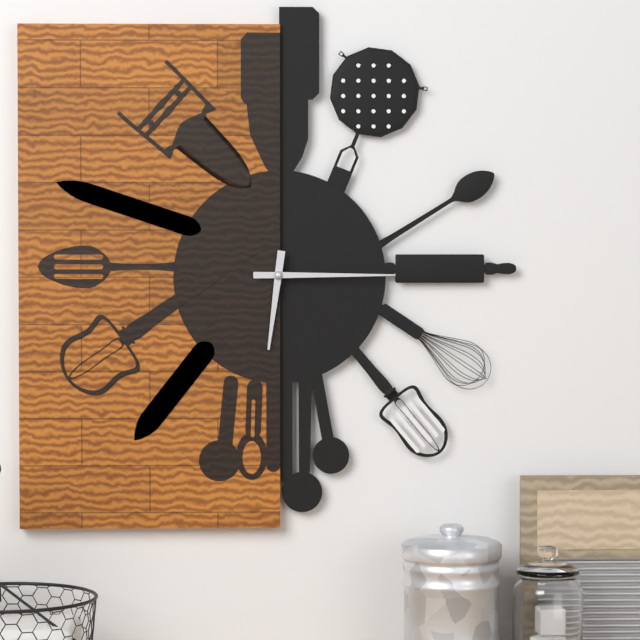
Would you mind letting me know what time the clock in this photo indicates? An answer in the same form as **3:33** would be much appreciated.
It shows **6:15**
